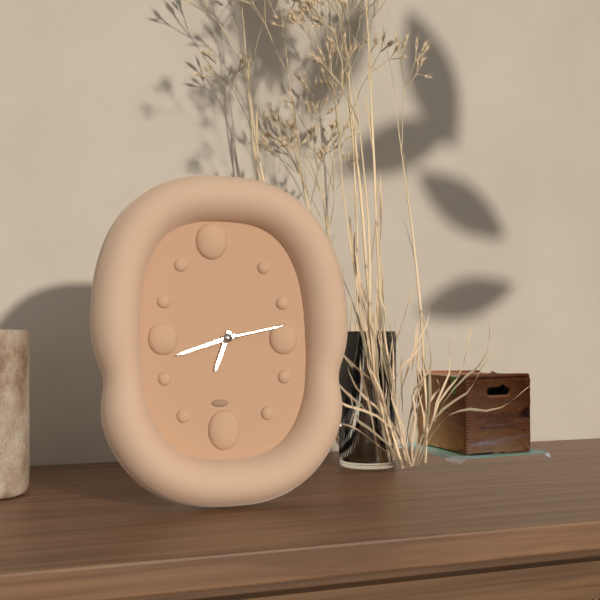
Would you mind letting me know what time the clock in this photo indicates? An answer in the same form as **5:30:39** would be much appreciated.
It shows **6:42:13**
